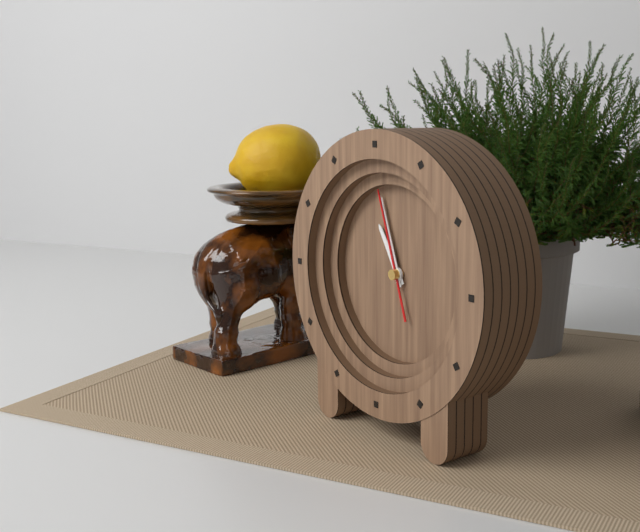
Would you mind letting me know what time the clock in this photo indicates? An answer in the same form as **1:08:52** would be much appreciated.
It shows **10:57:57**
